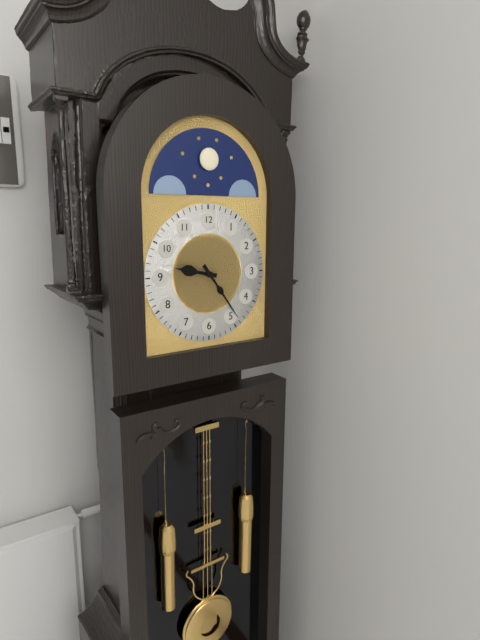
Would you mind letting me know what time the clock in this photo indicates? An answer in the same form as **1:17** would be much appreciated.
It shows **9:24**
